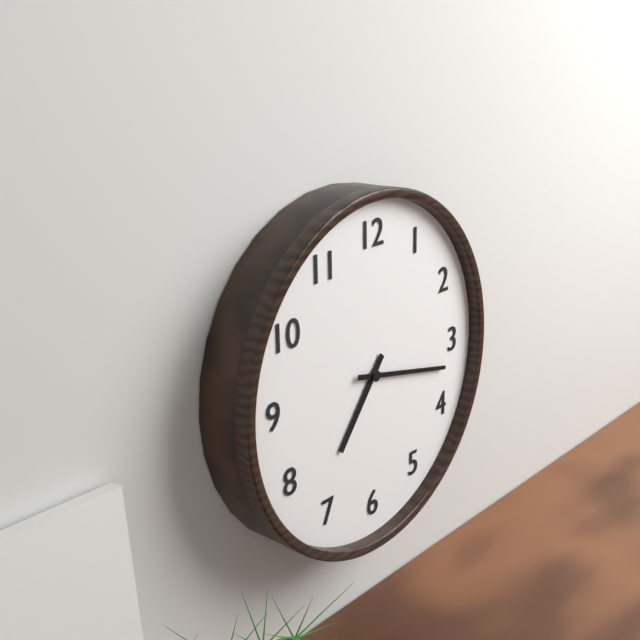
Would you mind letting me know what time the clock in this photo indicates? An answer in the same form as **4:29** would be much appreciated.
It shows **7:17**
